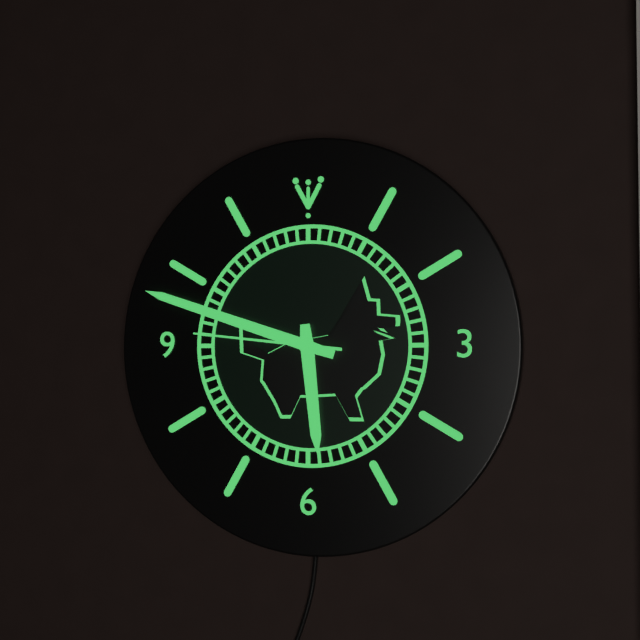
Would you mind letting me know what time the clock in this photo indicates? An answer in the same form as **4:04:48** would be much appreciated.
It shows **5:48:46**
